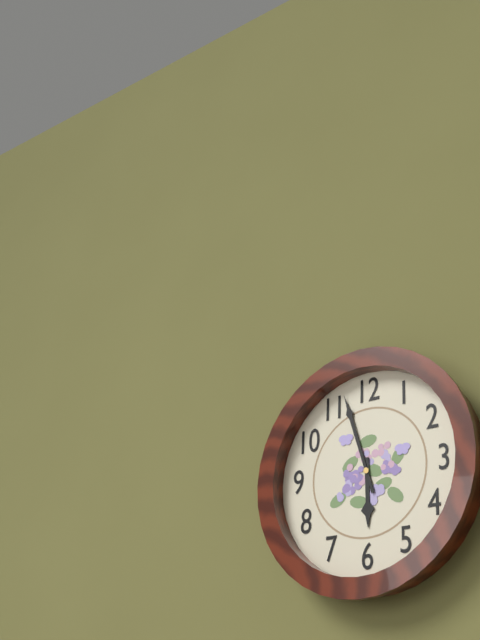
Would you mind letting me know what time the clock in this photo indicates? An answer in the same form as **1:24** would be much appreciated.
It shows **5:57**
